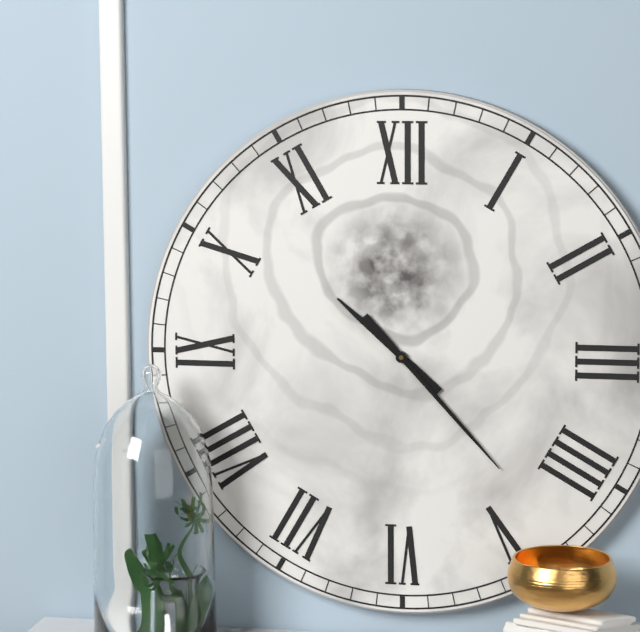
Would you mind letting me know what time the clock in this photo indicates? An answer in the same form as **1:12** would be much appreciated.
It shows **10:23**
